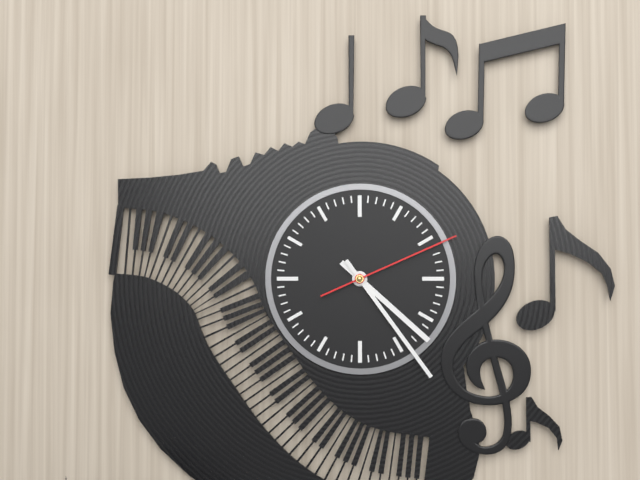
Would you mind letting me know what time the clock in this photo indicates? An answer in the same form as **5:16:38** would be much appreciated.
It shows **4:24:11**
